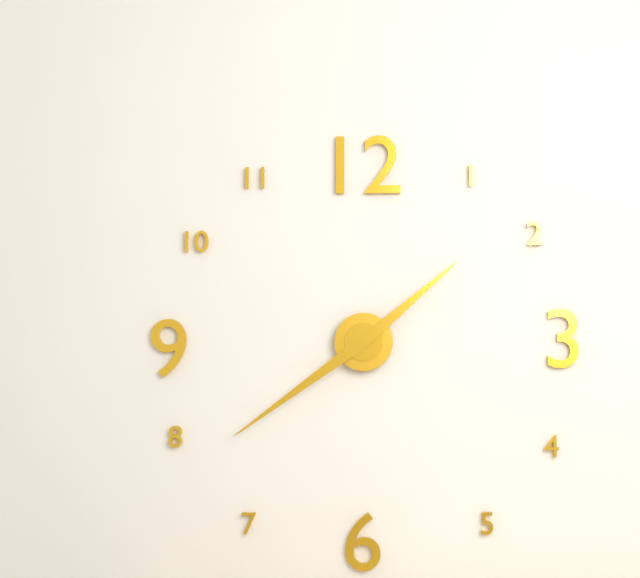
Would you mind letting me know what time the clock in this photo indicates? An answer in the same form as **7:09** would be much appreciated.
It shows **1:39**
